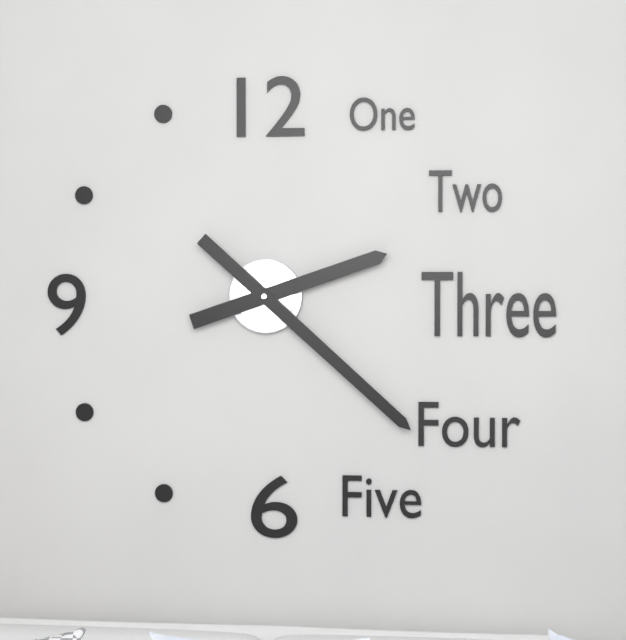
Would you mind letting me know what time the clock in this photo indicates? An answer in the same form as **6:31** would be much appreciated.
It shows **2:22**
